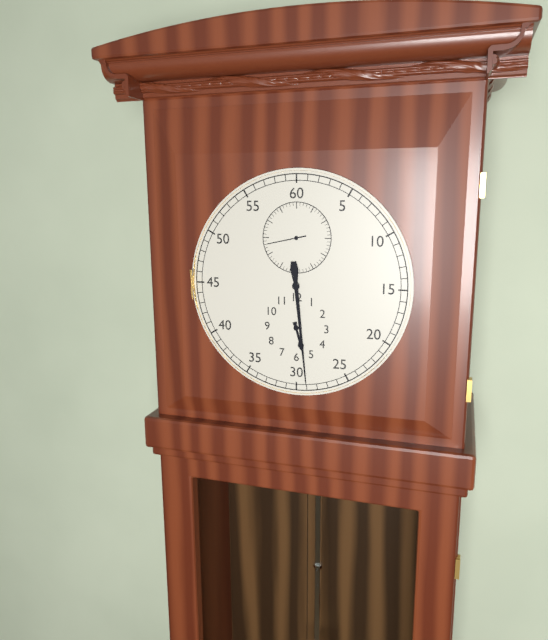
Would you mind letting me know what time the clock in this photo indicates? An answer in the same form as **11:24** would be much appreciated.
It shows **5:29**
